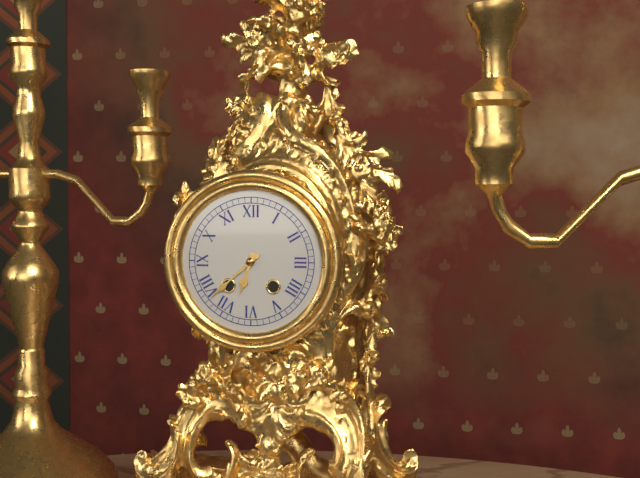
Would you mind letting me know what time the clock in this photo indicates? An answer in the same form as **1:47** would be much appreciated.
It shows **6:38**
